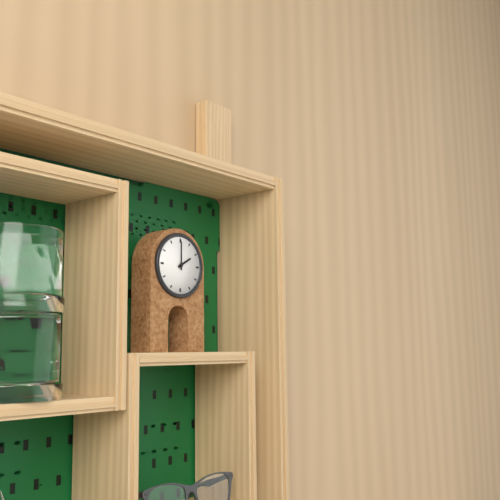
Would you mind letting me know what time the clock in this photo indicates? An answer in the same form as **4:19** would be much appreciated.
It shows **2:00**
